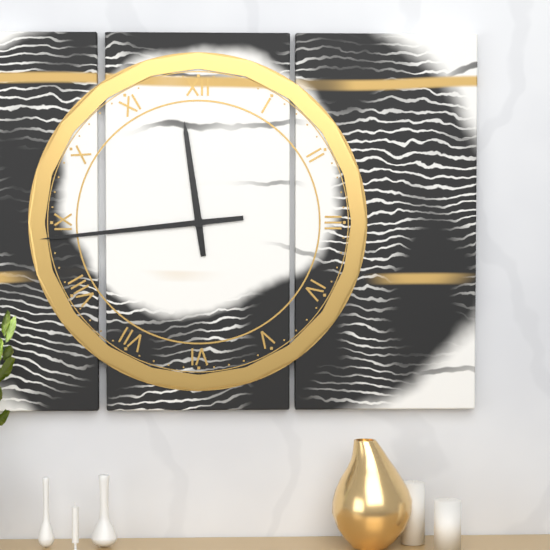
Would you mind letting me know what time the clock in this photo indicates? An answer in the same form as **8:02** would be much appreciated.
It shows **11:44**
